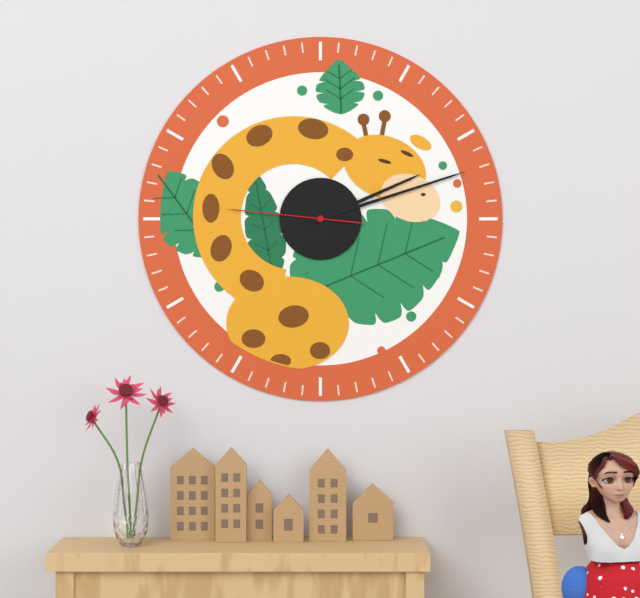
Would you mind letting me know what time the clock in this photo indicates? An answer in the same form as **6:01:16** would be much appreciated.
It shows **2:12:46**
